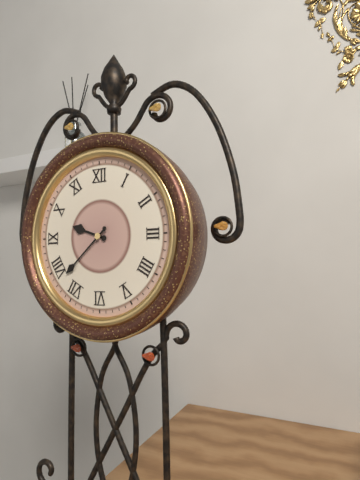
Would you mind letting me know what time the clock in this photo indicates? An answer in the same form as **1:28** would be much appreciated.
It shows **9:38**
